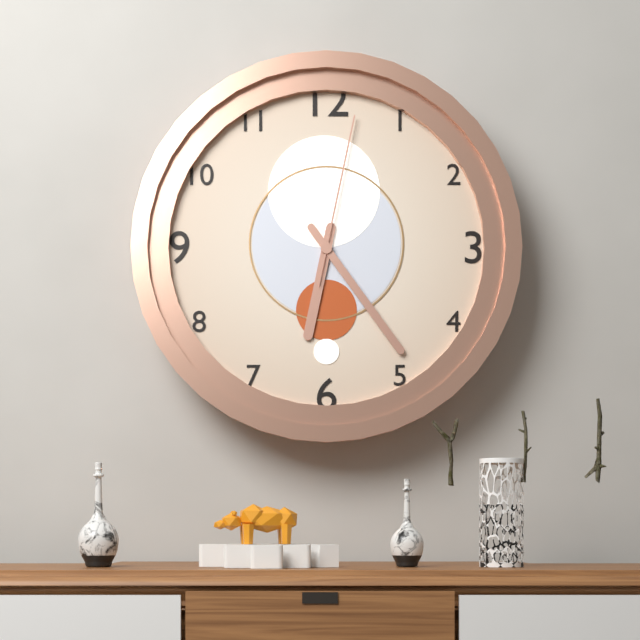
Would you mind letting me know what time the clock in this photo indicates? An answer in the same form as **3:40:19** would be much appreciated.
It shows **6:24:02**
